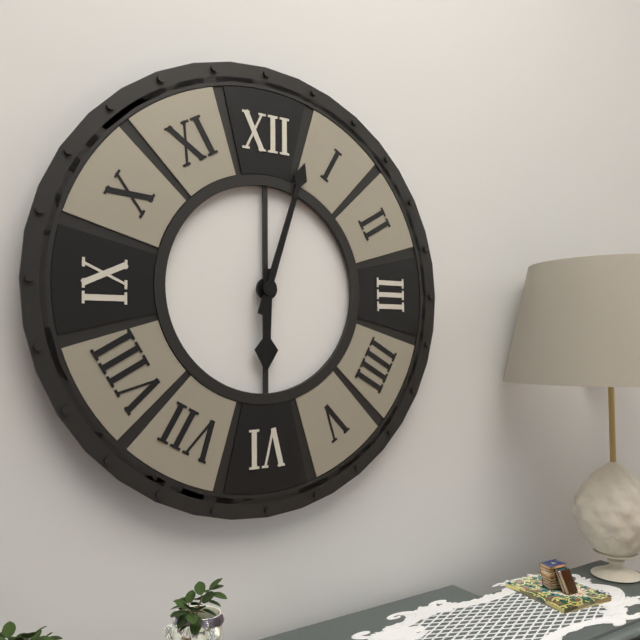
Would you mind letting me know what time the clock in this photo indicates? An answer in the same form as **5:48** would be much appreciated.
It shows **6:03**
